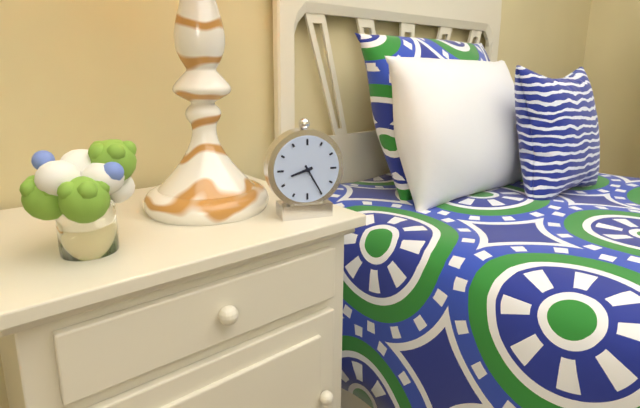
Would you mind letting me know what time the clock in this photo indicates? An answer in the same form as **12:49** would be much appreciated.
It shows **8:25**
